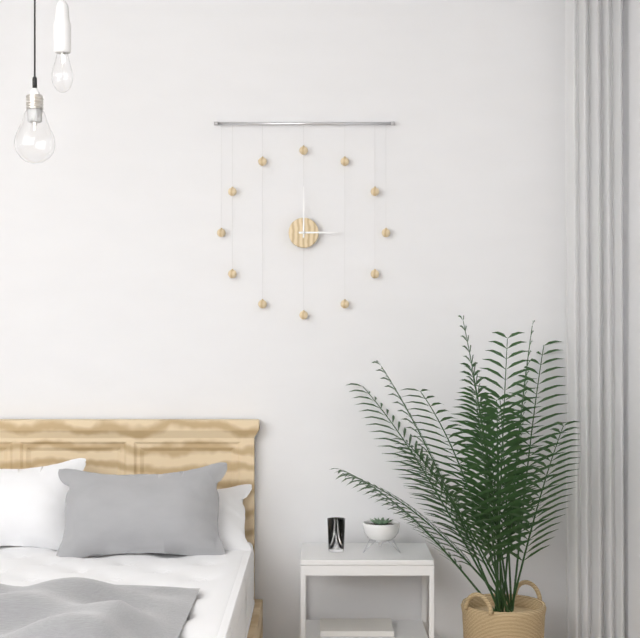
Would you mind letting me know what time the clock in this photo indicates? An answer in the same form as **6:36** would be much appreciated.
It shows **3:00**
